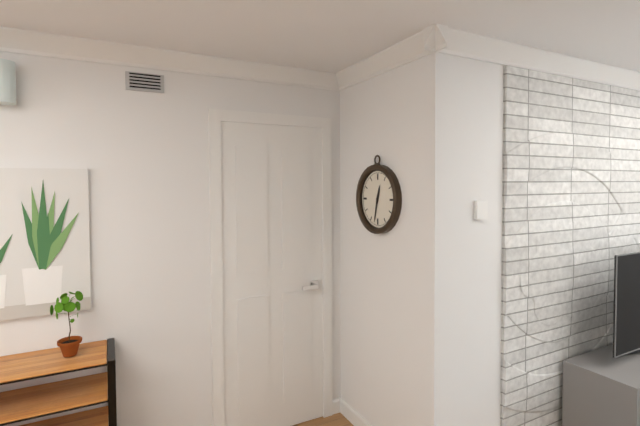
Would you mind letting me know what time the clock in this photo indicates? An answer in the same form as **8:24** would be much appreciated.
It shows **12:32**
